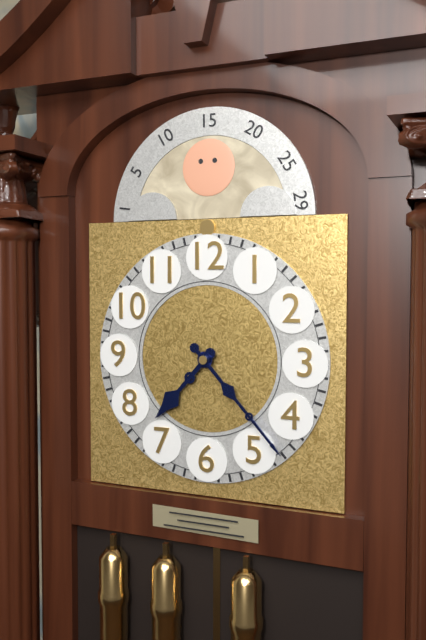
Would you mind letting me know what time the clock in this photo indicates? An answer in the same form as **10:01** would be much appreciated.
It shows **7:23**
